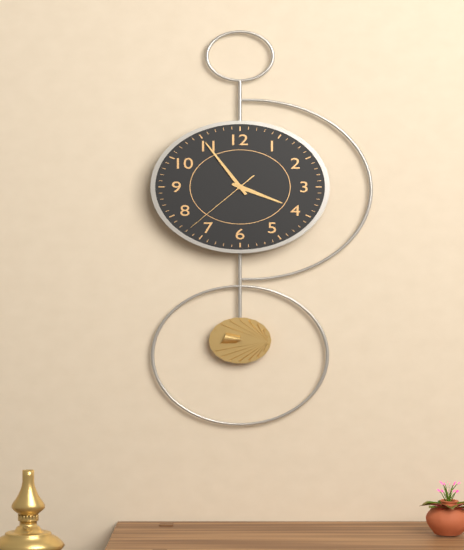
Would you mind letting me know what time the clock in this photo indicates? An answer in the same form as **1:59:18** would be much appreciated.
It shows **3:55:37**
